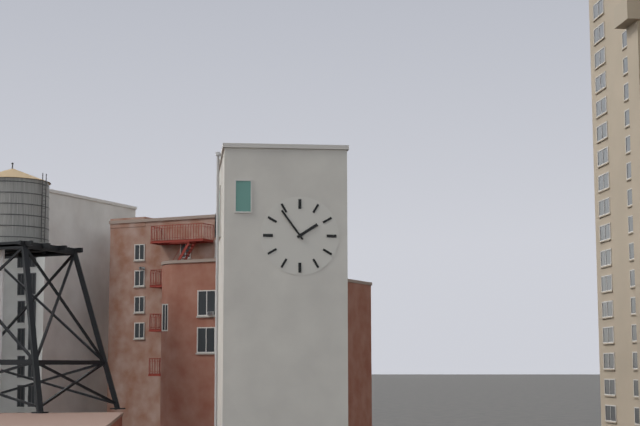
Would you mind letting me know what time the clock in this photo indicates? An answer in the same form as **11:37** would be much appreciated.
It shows **1:54**
